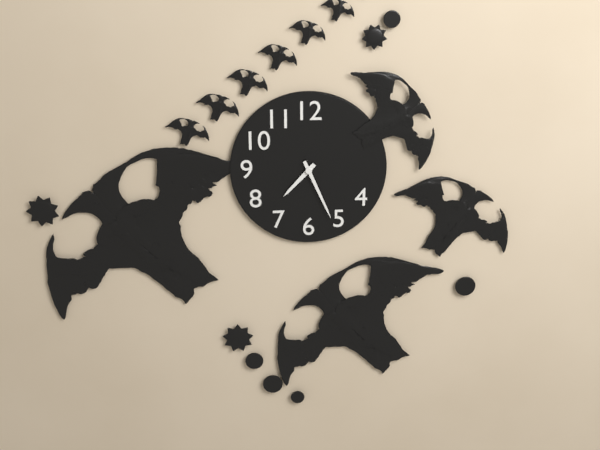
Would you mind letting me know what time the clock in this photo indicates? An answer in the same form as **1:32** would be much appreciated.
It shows **7:26**
